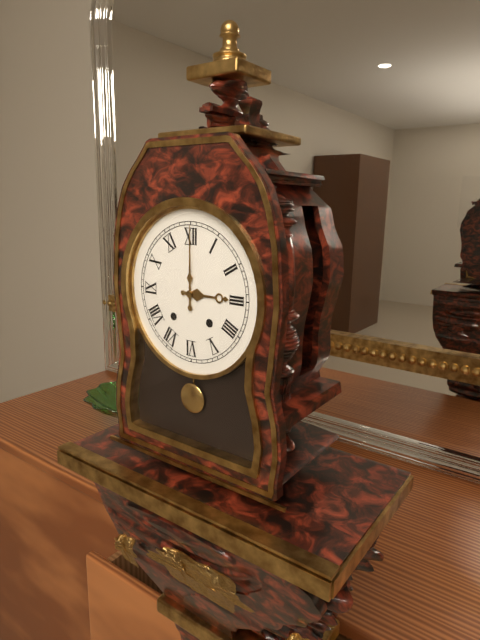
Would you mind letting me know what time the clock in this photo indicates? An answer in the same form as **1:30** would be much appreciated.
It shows **3:00**
